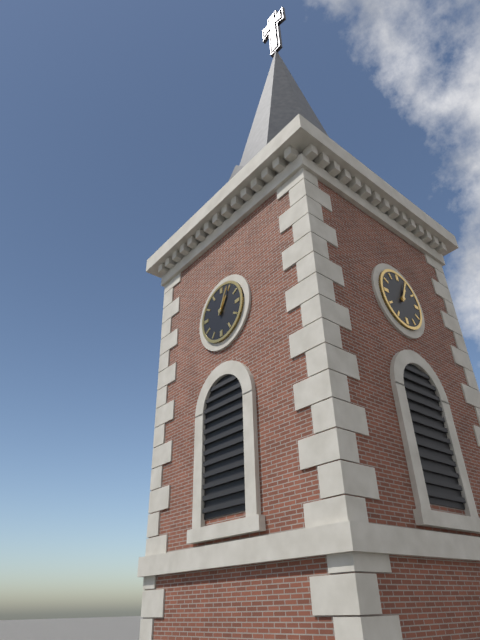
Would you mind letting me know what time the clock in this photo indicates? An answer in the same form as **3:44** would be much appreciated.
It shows **1:04**
